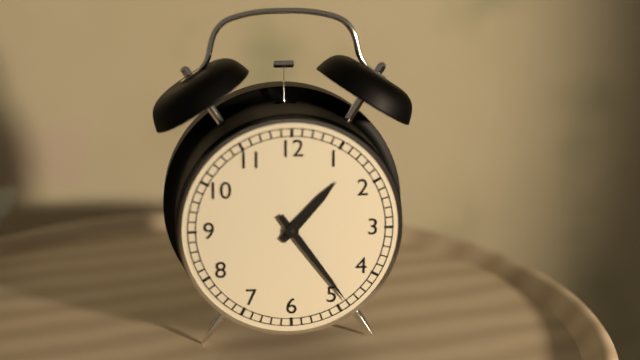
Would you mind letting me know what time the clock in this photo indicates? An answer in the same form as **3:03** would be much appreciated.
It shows **1:24**
